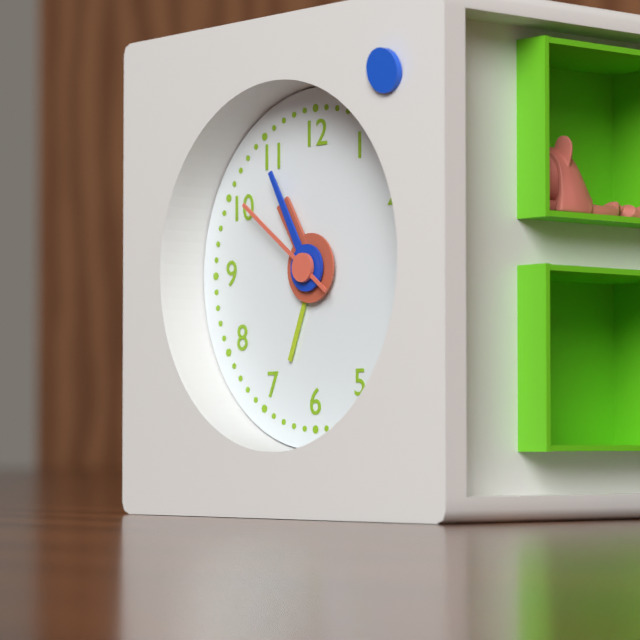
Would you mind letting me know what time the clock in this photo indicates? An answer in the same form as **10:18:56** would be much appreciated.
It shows **10:55:51**
